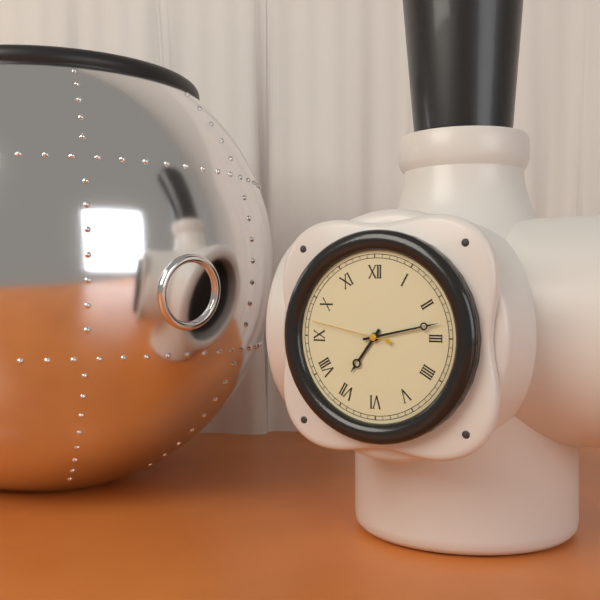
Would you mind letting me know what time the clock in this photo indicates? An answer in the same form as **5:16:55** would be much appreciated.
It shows **7:13:47**
